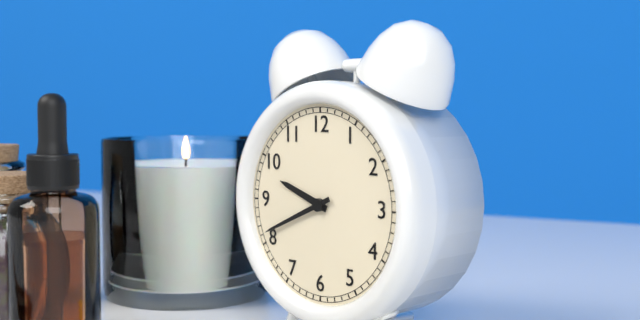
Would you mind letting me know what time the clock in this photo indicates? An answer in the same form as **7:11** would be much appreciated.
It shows **9:41**
